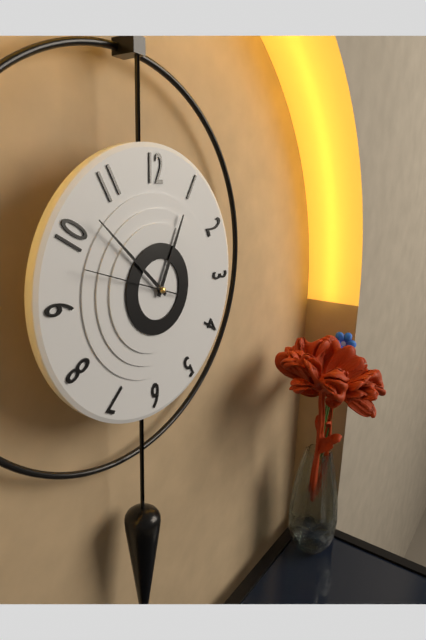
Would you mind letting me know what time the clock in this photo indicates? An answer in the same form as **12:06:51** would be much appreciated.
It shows **12:52:48**
